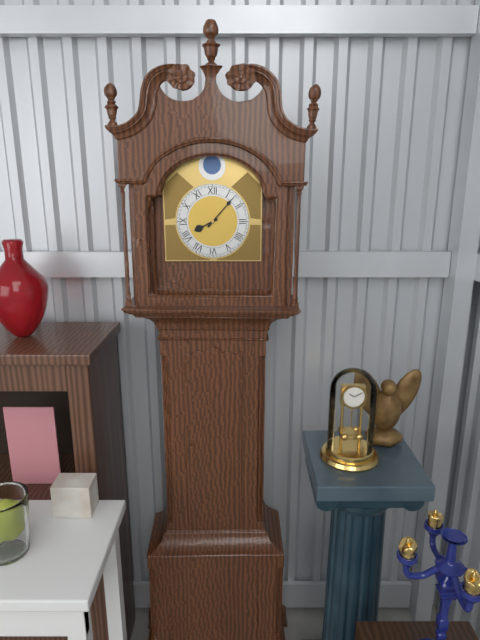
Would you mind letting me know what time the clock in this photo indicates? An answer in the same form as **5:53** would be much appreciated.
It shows **8:07**
